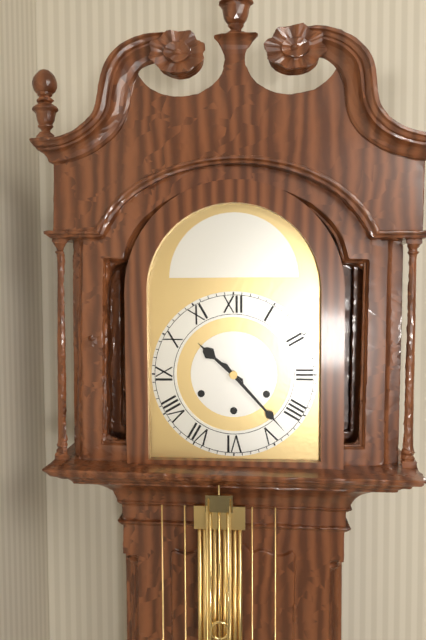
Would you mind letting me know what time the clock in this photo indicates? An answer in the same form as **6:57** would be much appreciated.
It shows **10:23**
